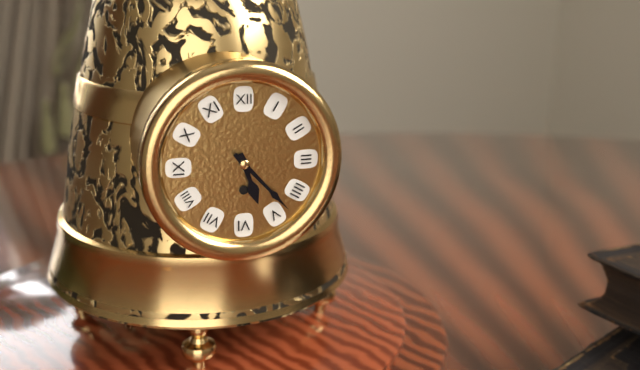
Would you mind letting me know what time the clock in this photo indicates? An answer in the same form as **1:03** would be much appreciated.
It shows **5:23**
